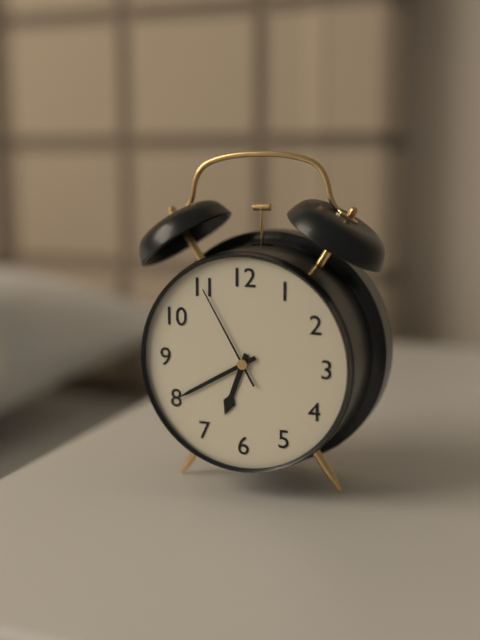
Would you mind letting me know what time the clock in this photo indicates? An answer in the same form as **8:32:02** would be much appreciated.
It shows **6:40:55**
